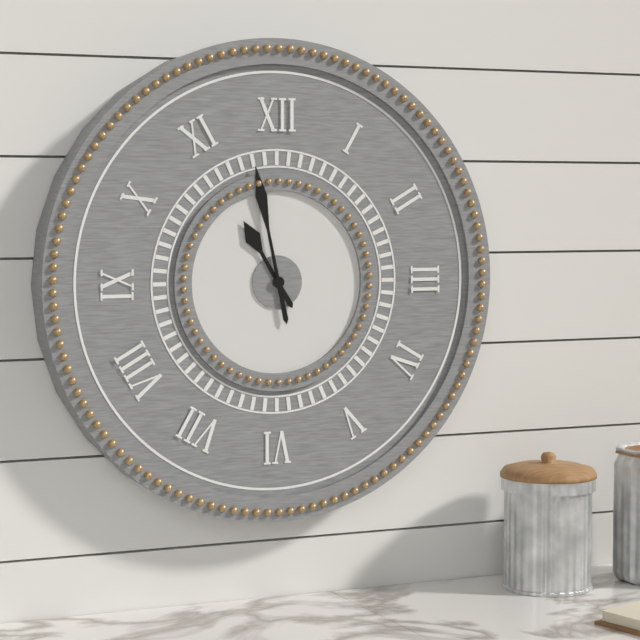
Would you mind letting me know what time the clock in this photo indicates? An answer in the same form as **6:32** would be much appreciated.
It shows **10:58**
